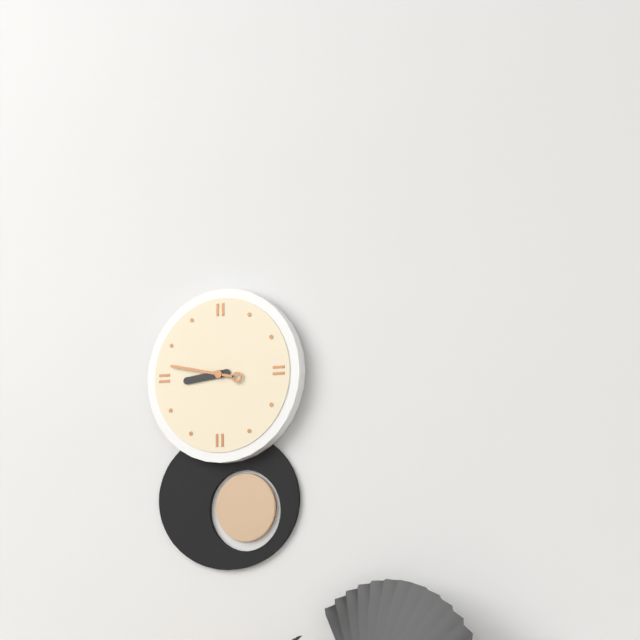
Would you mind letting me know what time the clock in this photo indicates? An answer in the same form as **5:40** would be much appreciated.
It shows **8:47**
